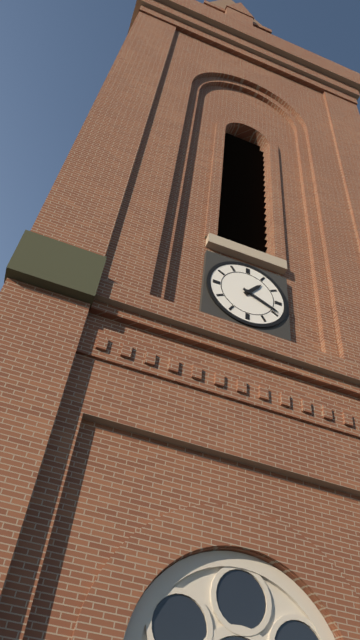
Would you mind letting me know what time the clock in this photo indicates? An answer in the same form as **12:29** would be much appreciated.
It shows **1:19**
